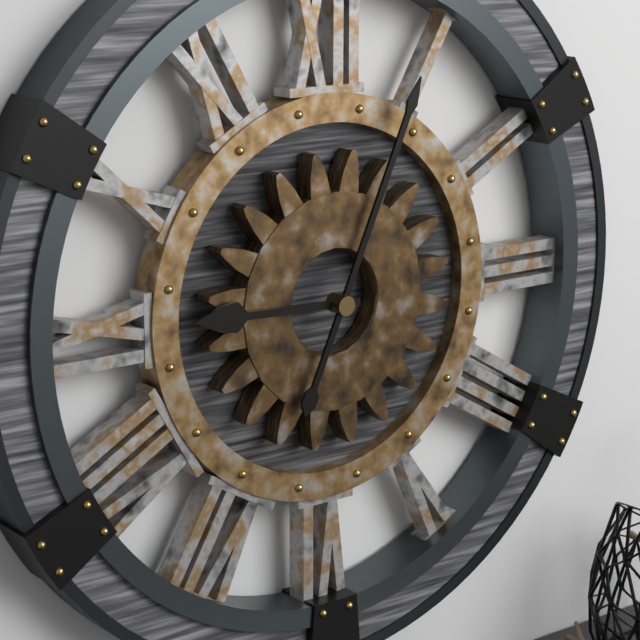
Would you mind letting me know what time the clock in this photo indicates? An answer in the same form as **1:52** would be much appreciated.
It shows **9:04**
